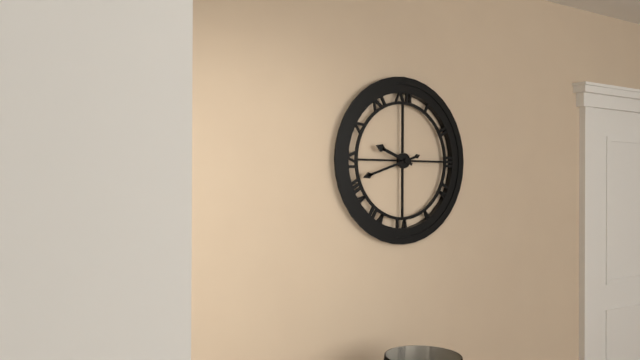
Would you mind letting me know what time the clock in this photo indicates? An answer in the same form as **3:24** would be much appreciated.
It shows **9:42**
